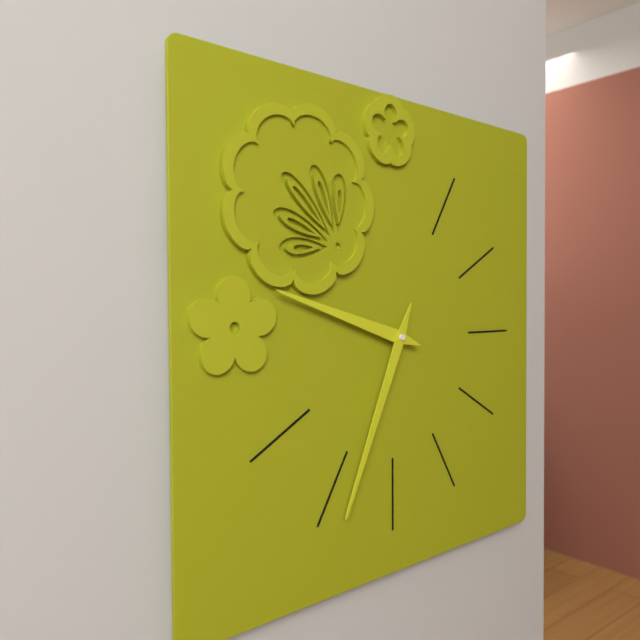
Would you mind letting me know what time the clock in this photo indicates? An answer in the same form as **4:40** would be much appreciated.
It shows **9:34**
